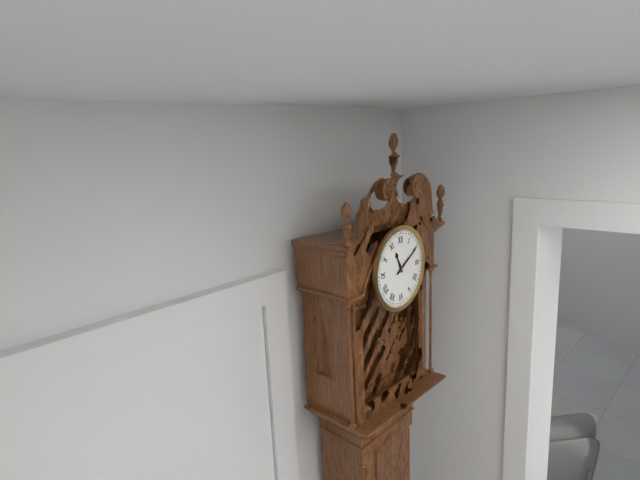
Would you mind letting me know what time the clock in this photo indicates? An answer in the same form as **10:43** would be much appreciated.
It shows **11:10**
